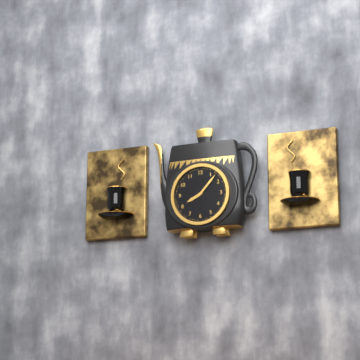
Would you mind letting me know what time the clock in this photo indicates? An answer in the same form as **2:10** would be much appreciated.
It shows **8:07**
